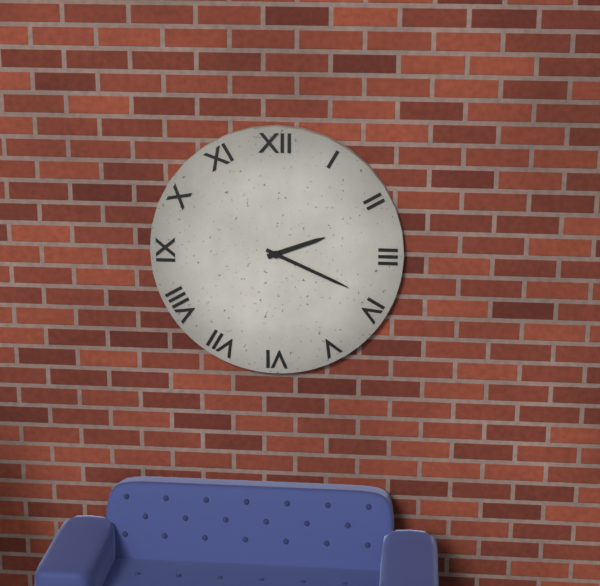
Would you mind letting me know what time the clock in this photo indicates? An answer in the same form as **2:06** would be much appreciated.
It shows **2:19**
